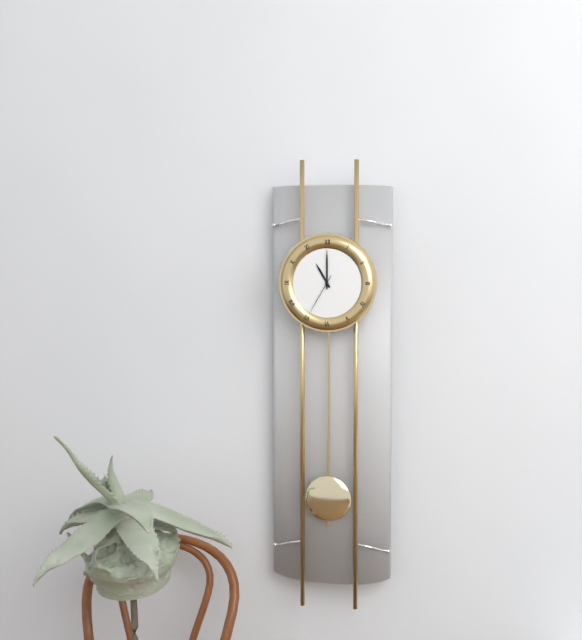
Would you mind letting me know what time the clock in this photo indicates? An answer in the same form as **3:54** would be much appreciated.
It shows **11:00**
